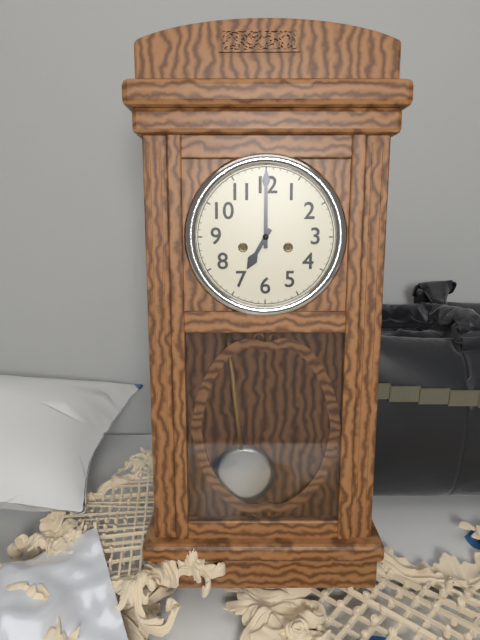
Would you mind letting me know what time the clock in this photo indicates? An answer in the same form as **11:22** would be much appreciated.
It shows **7:00**
